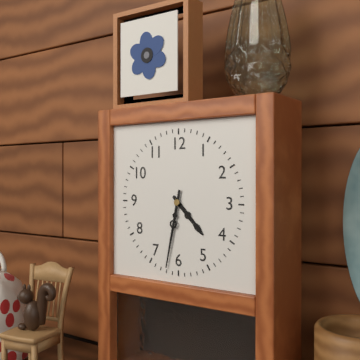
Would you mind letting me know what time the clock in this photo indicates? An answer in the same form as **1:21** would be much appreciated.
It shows **4:32**
